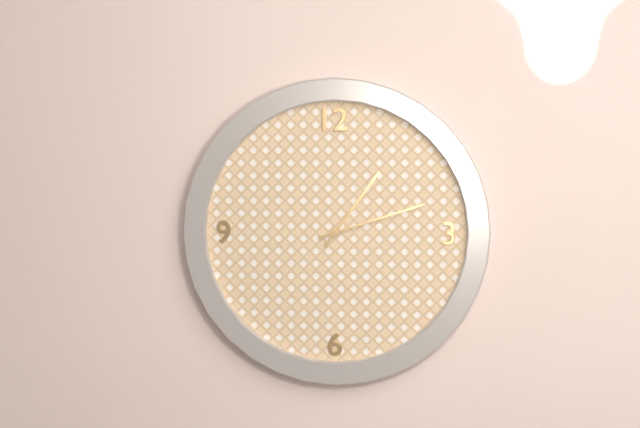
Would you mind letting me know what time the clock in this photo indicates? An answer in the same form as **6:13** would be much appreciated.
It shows **1:12**
